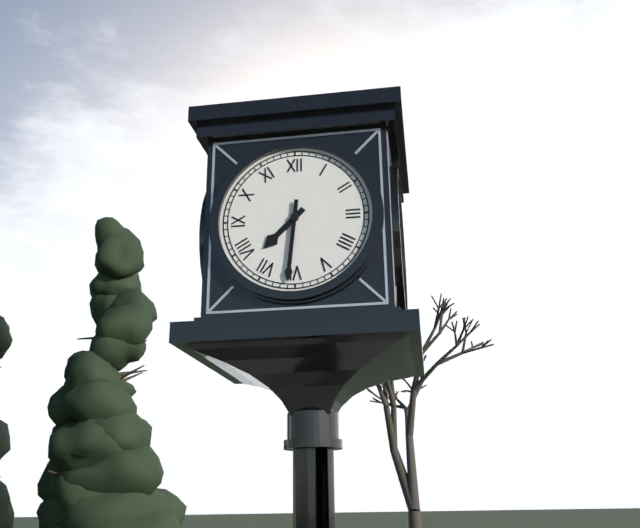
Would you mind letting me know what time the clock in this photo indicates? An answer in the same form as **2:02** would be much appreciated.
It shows **7:31**
